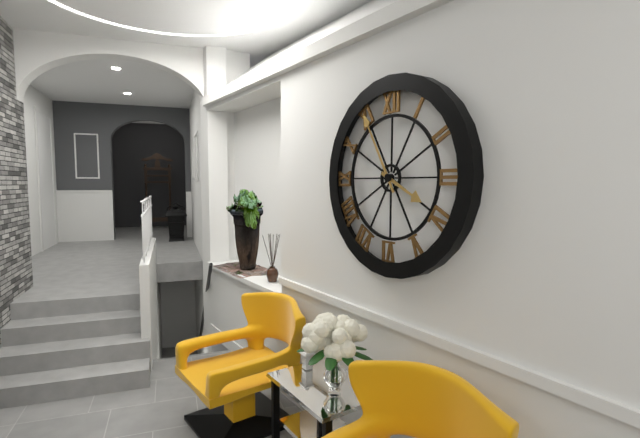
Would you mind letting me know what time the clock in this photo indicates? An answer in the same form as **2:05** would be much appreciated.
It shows **3:55**
